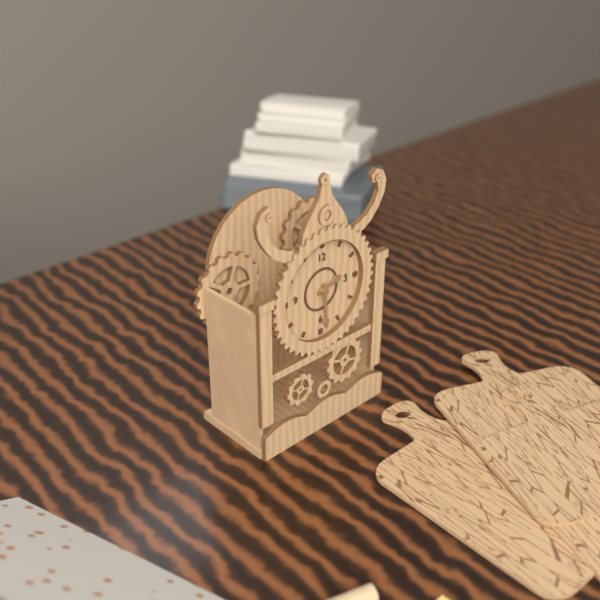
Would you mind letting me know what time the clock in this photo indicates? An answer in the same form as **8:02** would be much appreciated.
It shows **2:29**
